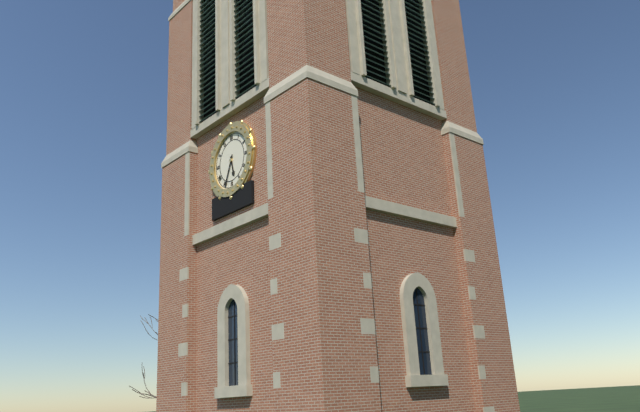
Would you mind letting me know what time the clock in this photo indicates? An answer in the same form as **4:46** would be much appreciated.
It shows **5:34**
